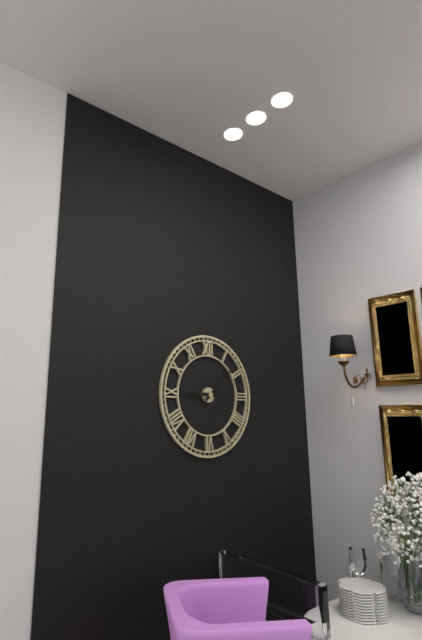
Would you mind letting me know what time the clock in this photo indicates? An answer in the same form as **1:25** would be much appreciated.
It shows **9:08**
